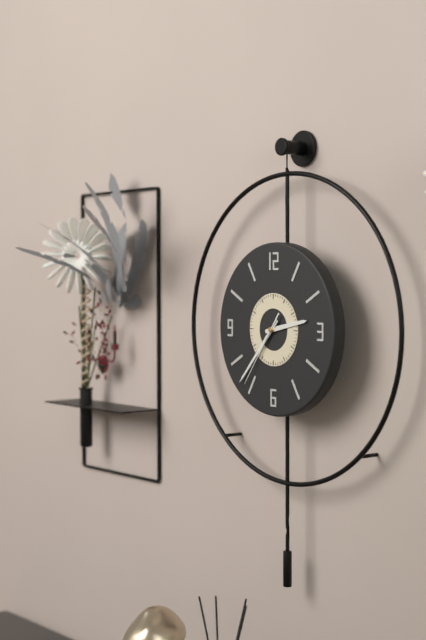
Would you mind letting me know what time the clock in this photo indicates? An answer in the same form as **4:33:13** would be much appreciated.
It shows **2:37:36**
